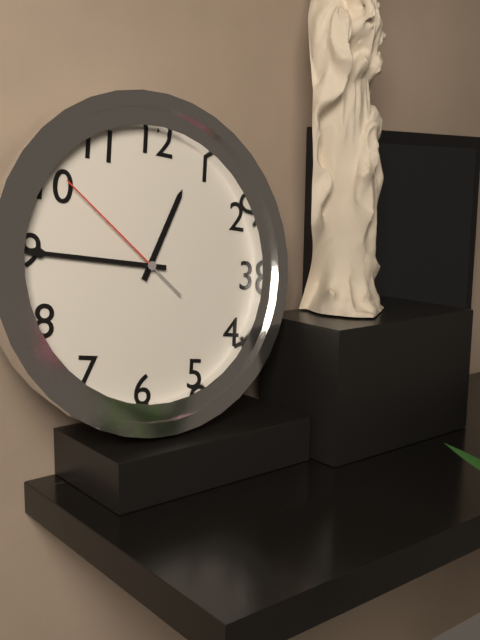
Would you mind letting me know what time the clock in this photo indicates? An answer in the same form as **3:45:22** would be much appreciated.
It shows **12:45:51**
